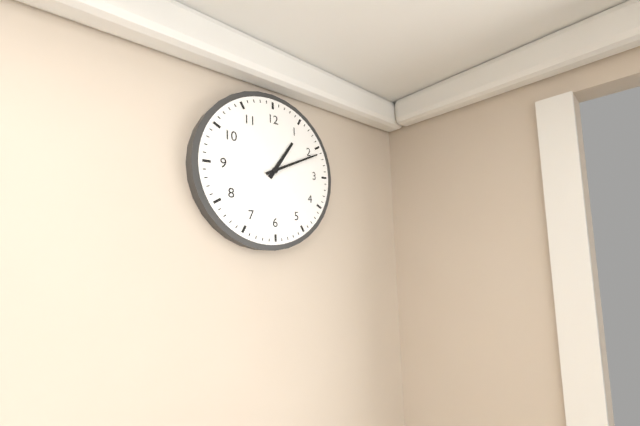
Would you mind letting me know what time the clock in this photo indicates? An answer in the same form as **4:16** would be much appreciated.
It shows **1:11**
